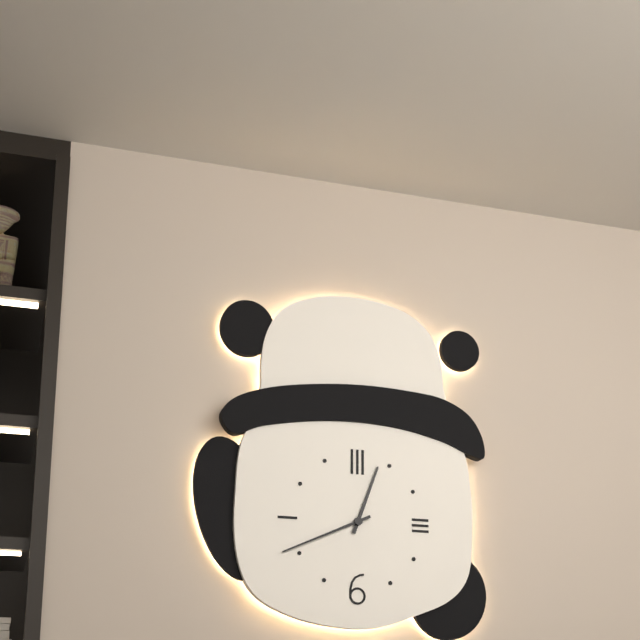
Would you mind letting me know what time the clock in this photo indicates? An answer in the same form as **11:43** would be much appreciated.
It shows **12:41**
